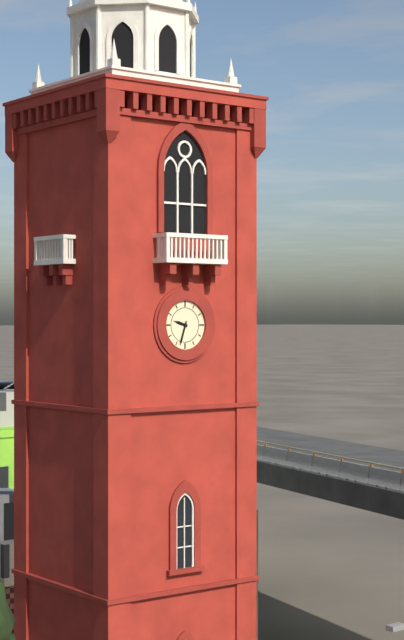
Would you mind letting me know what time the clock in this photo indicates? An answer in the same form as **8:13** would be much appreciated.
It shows **9:33**
